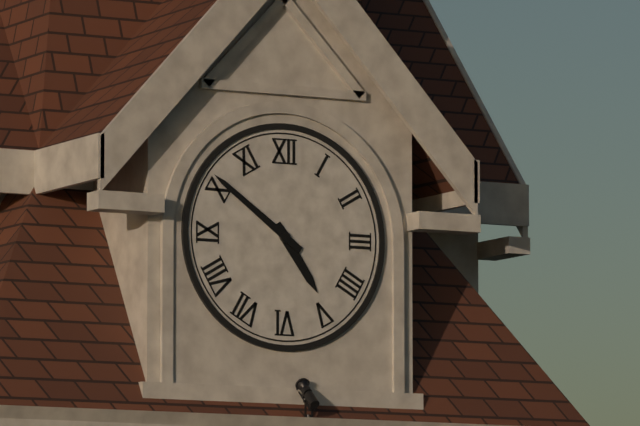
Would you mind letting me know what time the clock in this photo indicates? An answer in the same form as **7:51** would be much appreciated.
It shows **4:51**
